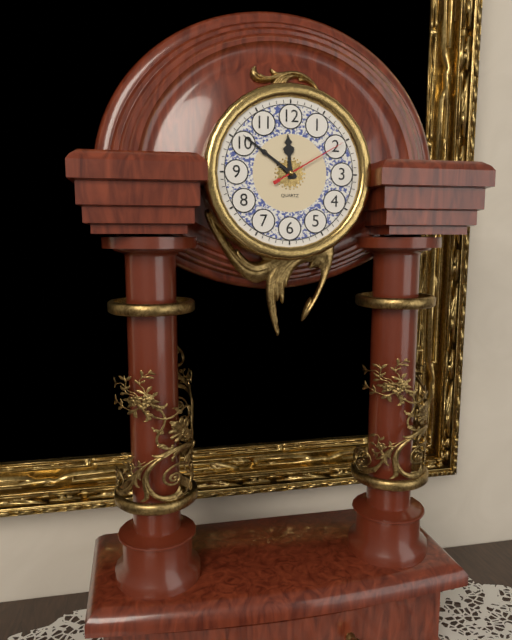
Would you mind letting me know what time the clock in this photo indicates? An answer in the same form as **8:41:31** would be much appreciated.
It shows **11:51:10**
